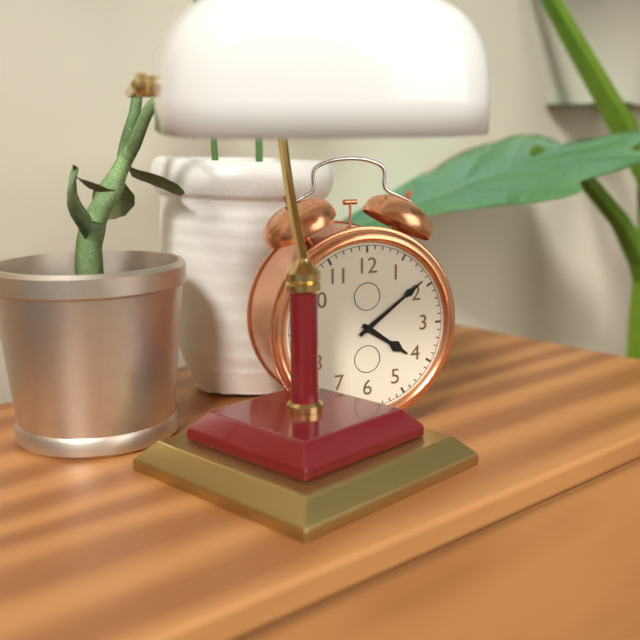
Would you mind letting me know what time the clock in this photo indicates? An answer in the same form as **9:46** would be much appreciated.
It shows **4:09**
